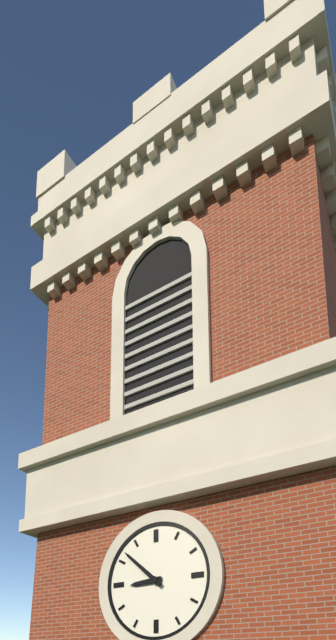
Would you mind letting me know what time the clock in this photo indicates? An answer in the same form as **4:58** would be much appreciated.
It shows **8:52**
